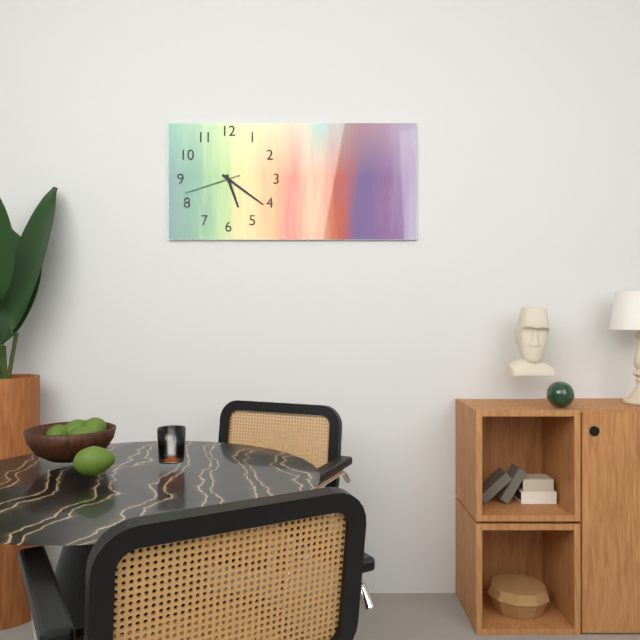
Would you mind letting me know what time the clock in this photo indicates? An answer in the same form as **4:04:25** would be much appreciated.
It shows **5:21:42**
